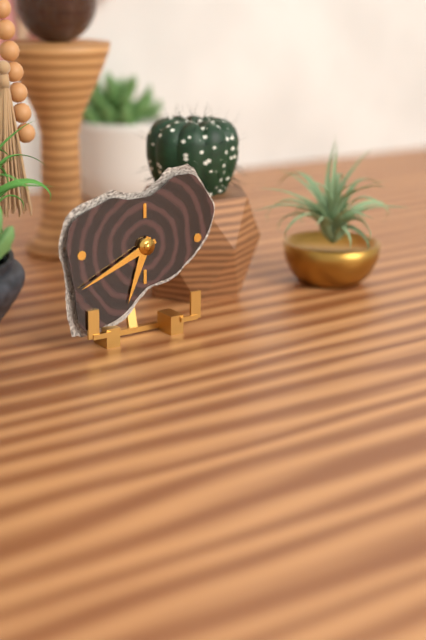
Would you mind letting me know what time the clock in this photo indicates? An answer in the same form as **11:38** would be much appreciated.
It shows **6:41**
